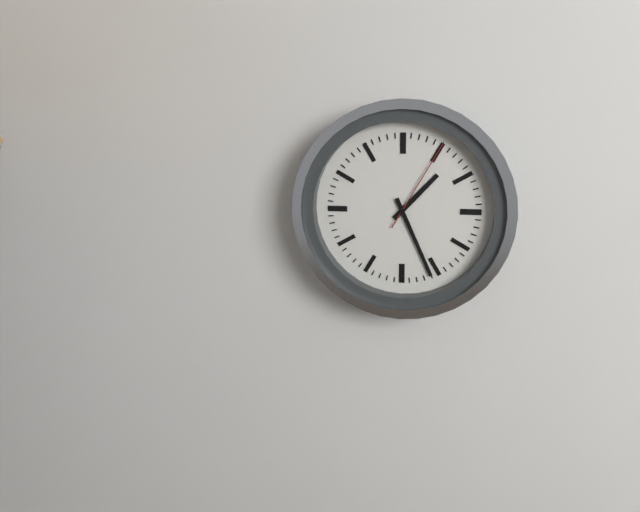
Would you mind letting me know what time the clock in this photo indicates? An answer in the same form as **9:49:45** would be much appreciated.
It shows **1:26:05**
